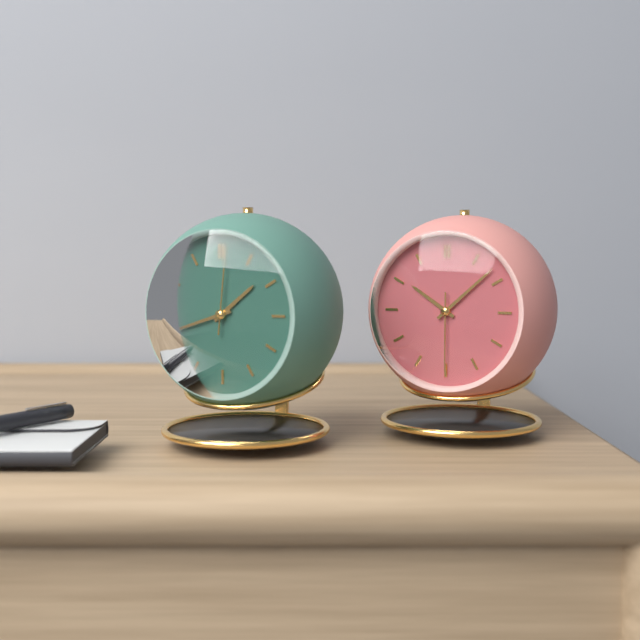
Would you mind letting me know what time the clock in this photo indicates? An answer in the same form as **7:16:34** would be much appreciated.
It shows **1:42:01**
